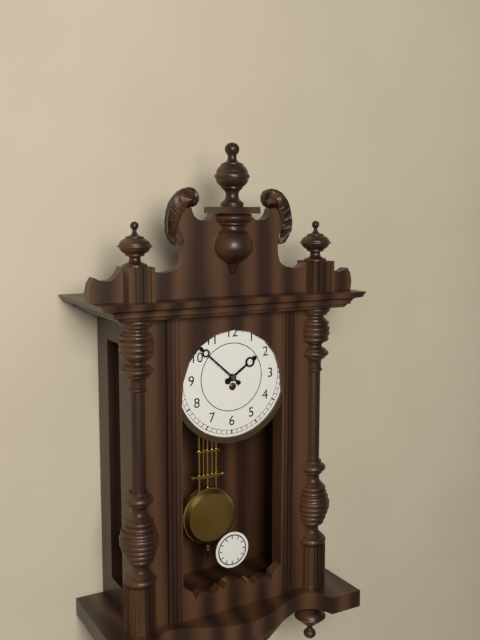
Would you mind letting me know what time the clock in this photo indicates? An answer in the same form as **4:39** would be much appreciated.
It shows **1:52**
